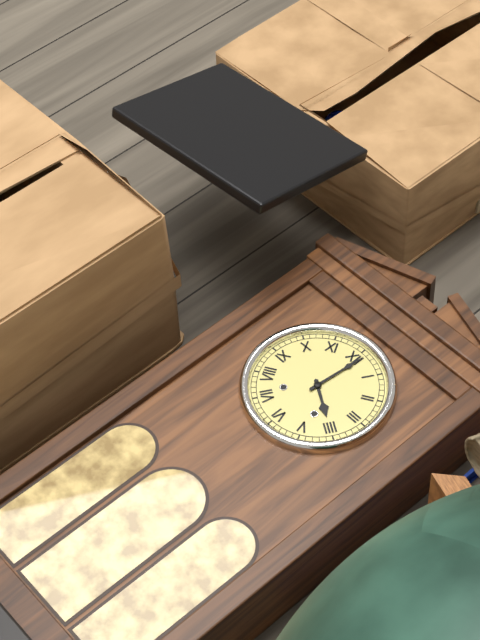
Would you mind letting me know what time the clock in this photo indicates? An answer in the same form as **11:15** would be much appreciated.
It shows **4:01**
